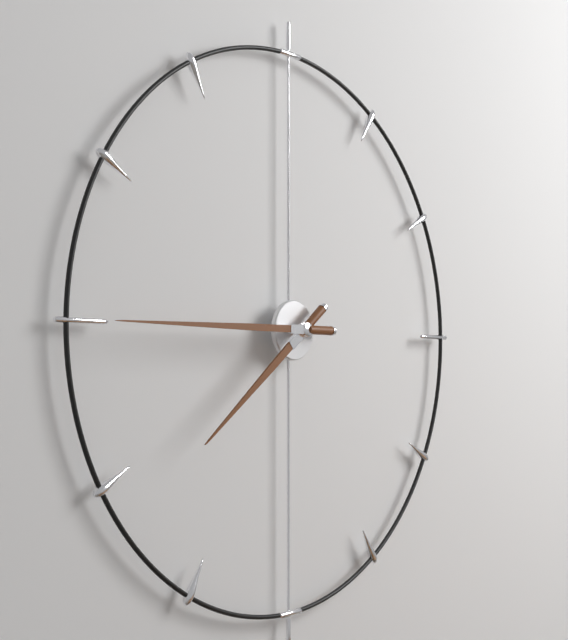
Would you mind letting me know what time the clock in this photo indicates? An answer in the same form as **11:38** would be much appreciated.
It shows **7:45**
